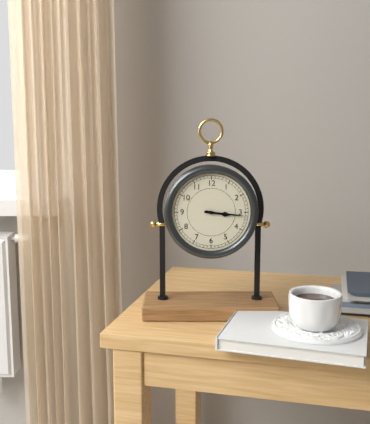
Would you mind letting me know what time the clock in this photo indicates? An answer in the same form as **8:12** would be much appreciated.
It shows **3:16**
